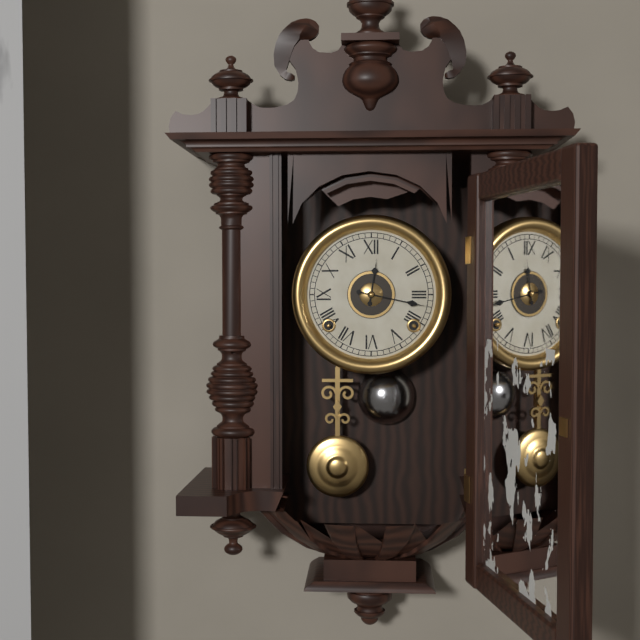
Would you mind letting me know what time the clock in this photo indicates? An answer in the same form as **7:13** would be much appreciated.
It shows **12:17**
